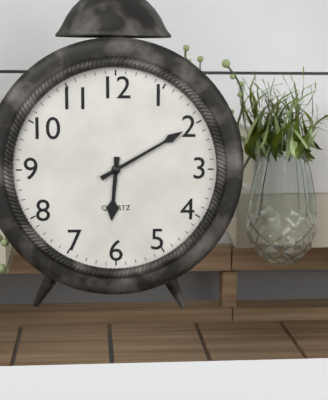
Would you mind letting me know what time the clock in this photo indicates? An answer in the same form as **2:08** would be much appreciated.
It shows **6:10**
